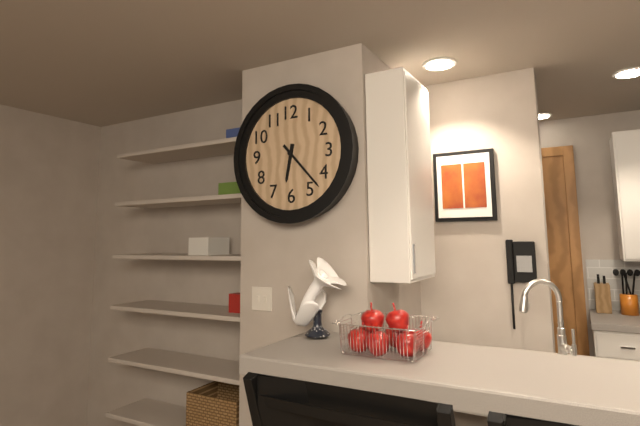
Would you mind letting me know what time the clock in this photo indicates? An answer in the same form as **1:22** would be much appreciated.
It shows **6:23**
